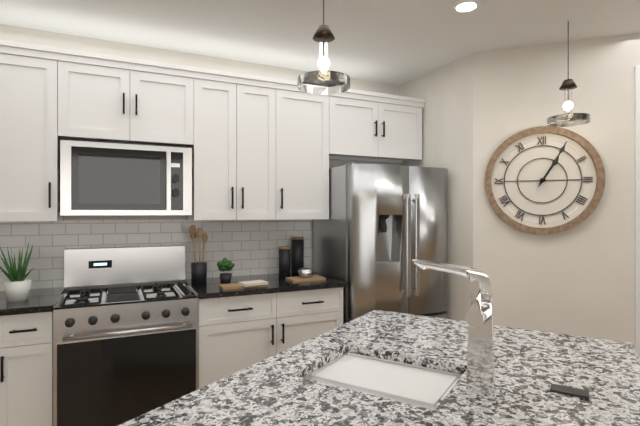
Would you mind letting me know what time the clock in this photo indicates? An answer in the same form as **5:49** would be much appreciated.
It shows **1:05**
